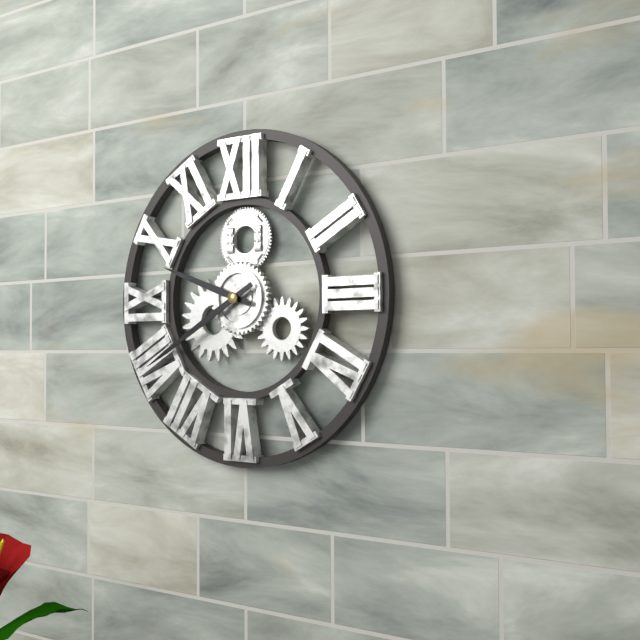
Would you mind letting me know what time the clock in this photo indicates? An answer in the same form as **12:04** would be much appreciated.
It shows **9:40**
